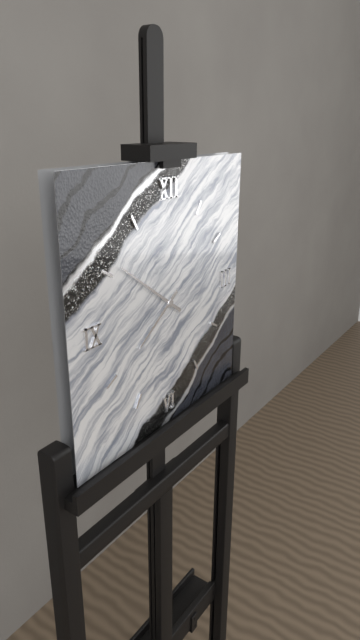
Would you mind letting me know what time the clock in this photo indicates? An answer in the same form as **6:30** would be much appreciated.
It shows **7:51**
